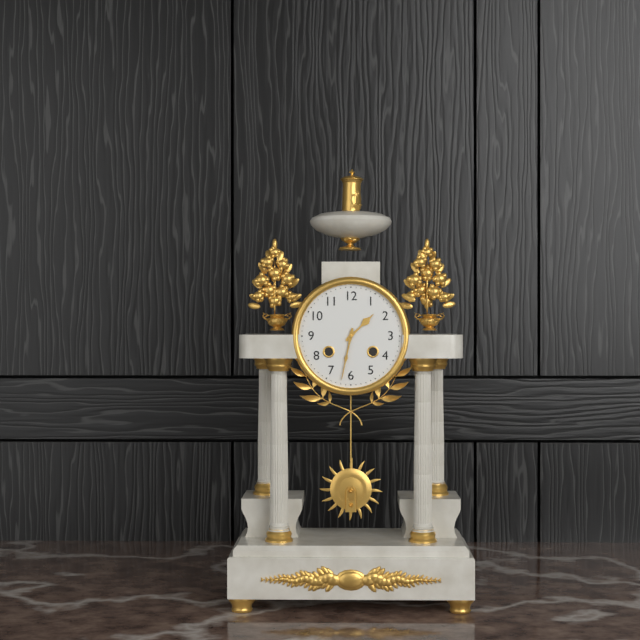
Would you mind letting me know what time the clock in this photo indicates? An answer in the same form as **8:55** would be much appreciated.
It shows **1:32**
